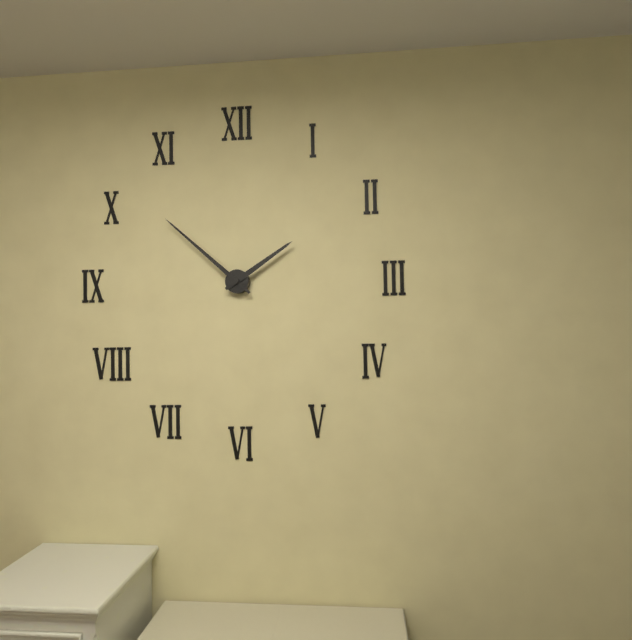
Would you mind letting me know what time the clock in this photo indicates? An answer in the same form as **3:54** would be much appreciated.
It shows **1:52**
